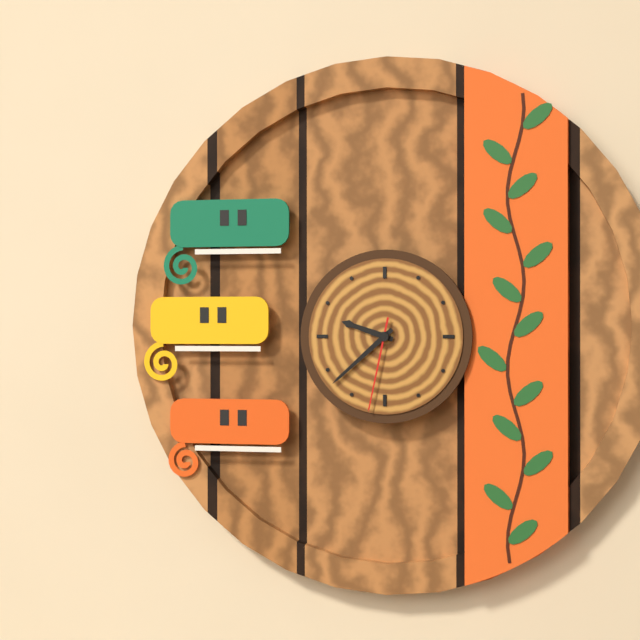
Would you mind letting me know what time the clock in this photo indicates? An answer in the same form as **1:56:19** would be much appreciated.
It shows **9:38:32**
